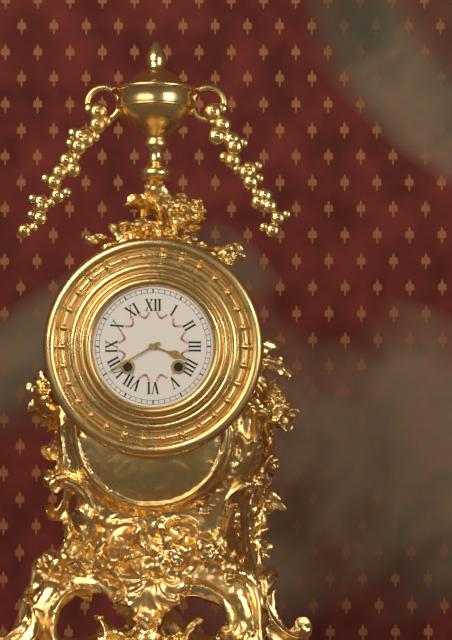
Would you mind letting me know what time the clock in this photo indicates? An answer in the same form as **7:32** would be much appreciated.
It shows **3:40**
